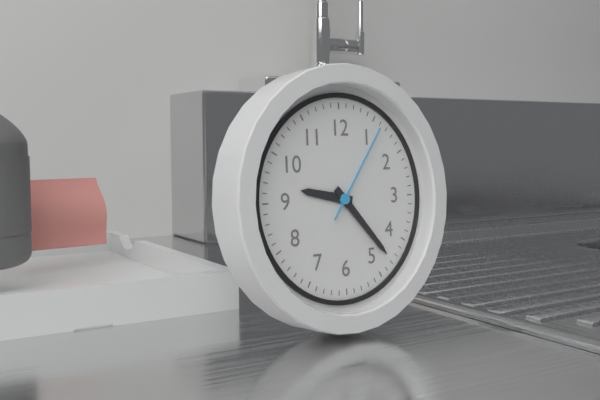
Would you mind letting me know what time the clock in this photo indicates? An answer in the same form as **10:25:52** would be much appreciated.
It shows **9:23:06**
